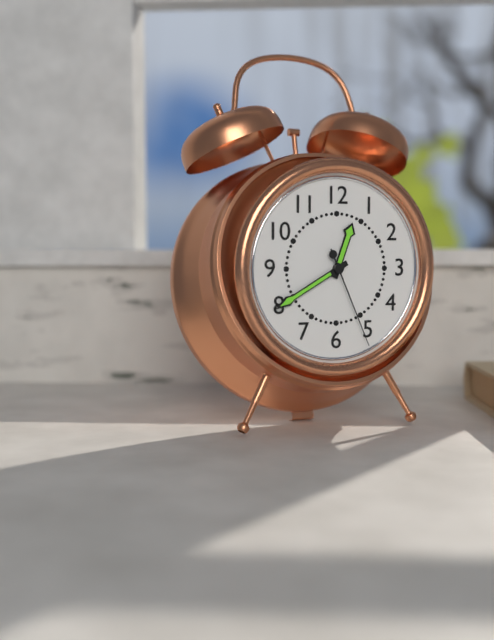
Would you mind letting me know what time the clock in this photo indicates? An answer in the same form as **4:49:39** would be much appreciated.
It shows **12:40:26**
